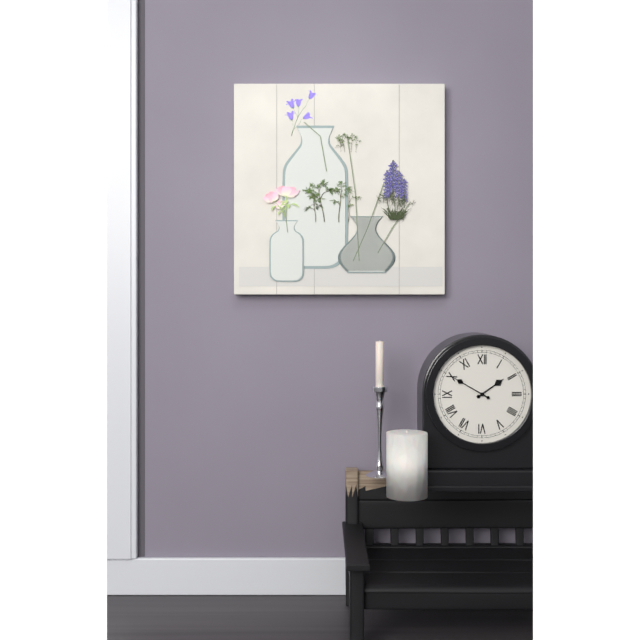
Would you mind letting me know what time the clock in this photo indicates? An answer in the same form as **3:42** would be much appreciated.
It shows **1:50**
